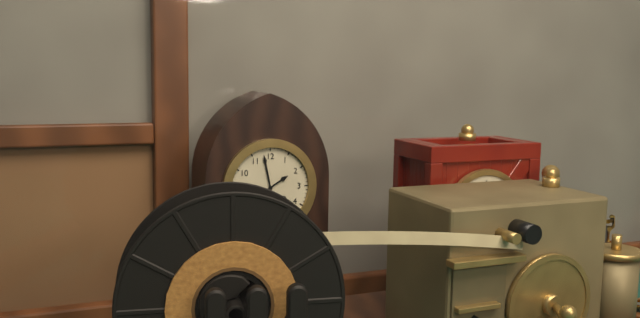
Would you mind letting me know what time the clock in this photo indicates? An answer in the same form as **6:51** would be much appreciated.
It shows **1:58**
